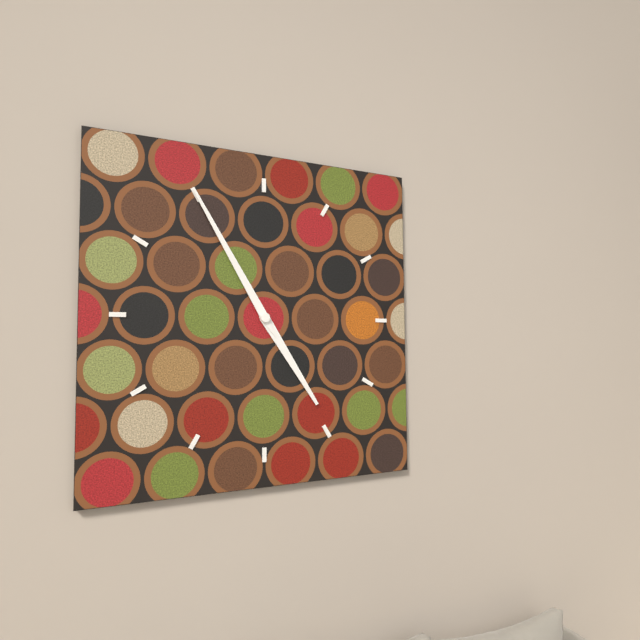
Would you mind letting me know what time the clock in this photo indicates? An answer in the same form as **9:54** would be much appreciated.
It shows **4:55**
